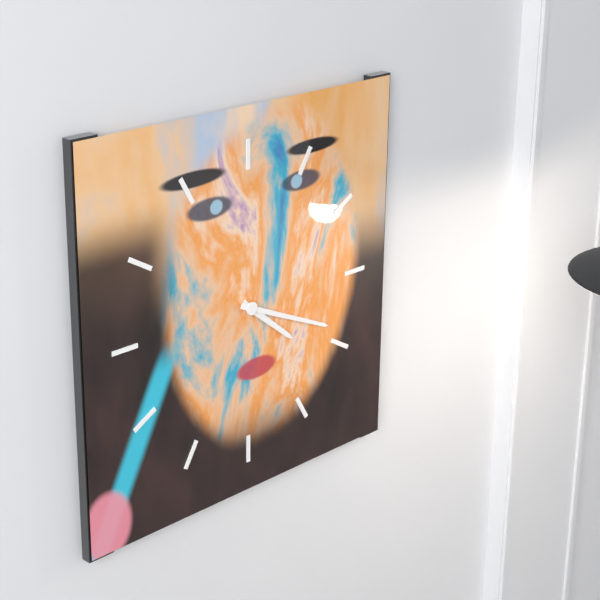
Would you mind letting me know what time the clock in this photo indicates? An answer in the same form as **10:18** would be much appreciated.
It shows **4:19**
